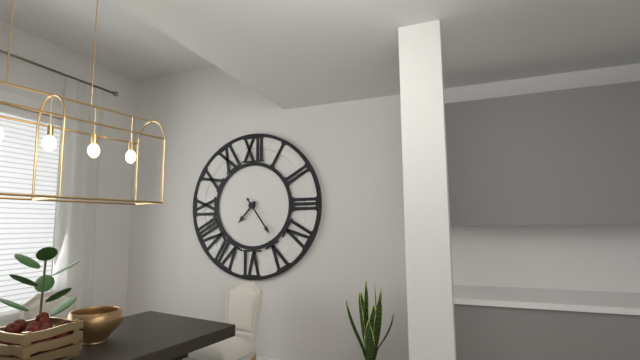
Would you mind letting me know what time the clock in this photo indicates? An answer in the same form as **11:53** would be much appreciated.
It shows **7:24**
